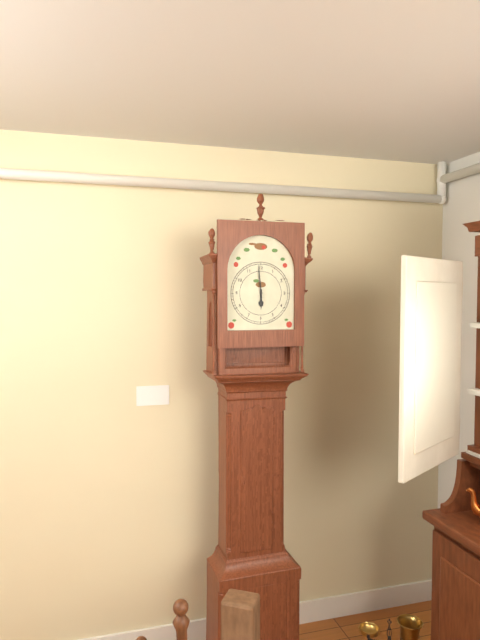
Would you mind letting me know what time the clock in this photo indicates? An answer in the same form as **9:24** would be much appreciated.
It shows **5:59**
